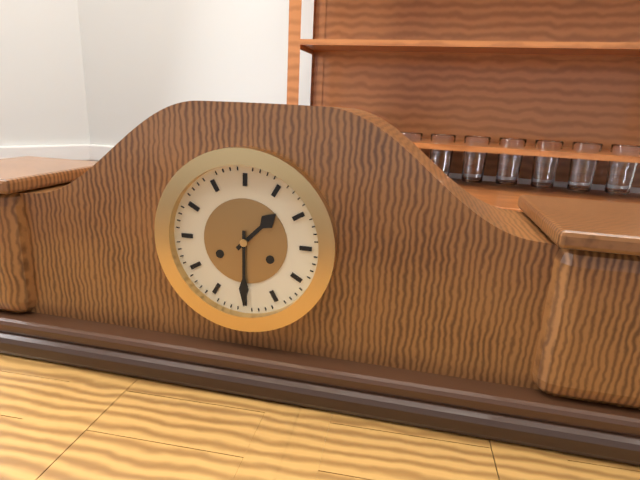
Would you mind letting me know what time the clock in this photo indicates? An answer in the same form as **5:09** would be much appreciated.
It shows **1:30**
